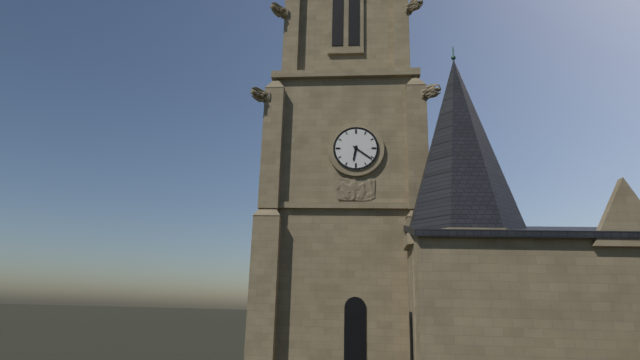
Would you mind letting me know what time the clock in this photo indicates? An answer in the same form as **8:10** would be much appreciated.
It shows **6:21**
